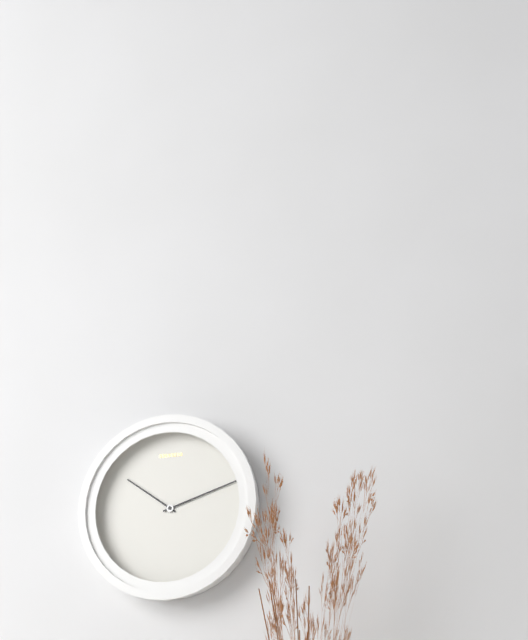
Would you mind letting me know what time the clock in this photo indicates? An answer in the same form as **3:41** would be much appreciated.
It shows **10:12**
